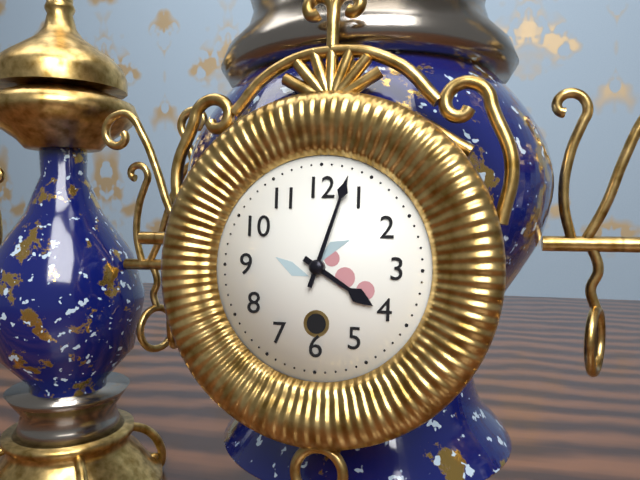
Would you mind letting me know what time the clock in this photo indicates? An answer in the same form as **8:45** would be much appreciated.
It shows **4:03**
